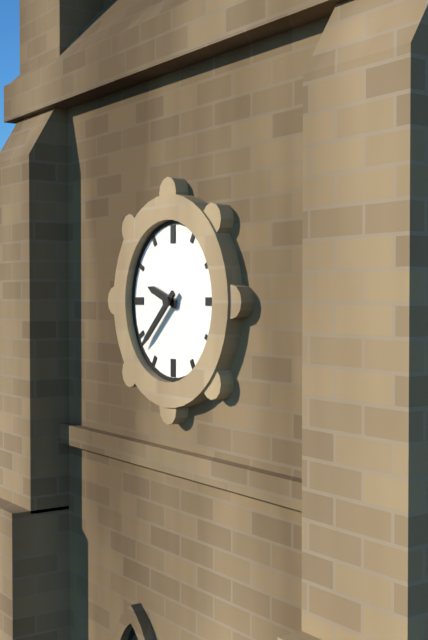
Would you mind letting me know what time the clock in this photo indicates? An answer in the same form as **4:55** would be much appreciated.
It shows **9:38**
